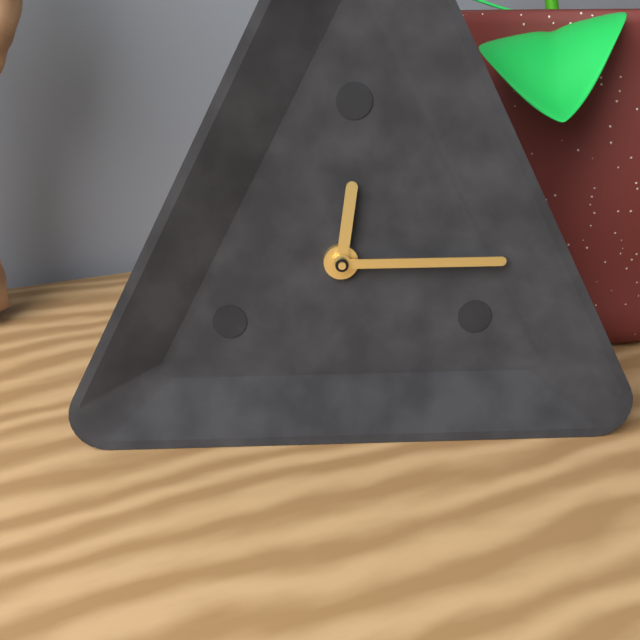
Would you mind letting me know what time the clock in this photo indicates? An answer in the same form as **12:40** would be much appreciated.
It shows **12:15**
